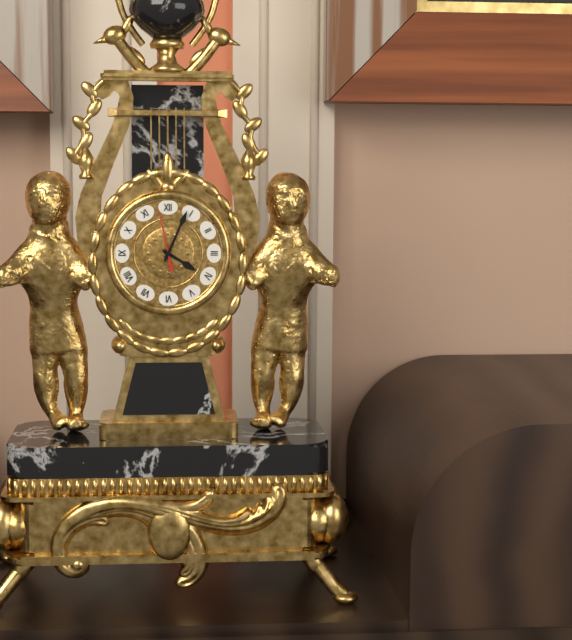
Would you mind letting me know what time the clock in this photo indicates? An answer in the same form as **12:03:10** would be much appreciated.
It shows **4:04:58**
